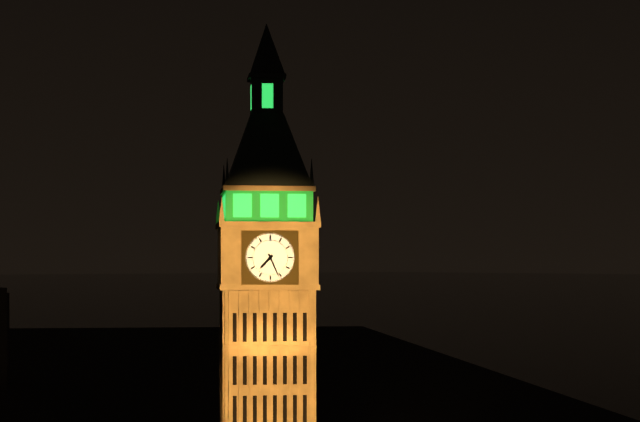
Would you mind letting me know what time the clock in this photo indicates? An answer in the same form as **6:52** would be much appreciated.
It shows **7:26**
